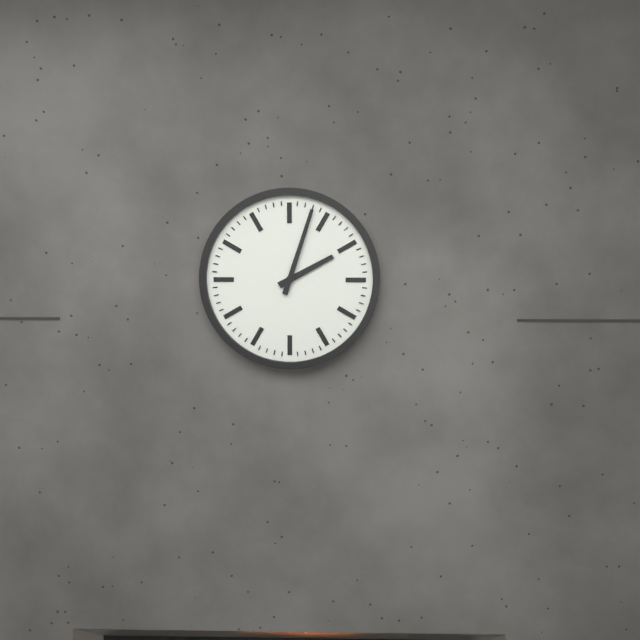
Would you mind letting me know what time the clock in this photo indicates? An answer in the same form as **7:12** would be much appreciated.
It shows **2:03**
